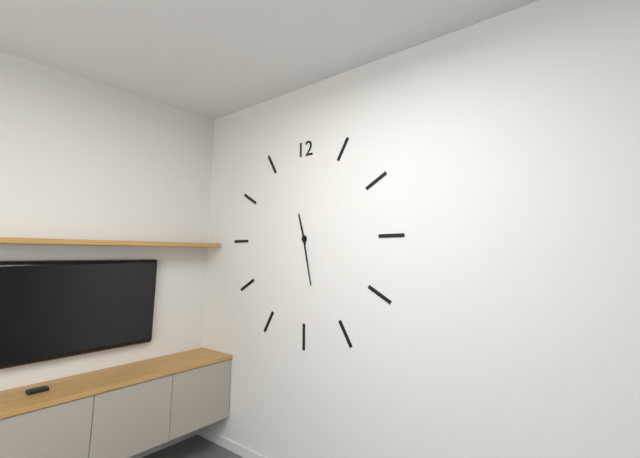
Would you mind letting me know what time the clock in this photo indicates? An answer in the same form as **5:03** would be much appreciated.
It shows **11:28**
